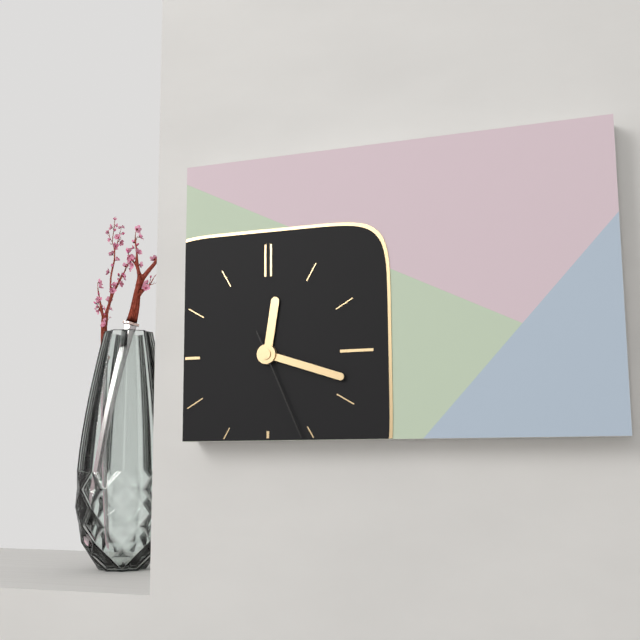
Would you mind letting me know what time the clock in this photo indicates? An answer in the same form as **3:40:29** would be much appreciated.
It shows **12:18:26**
